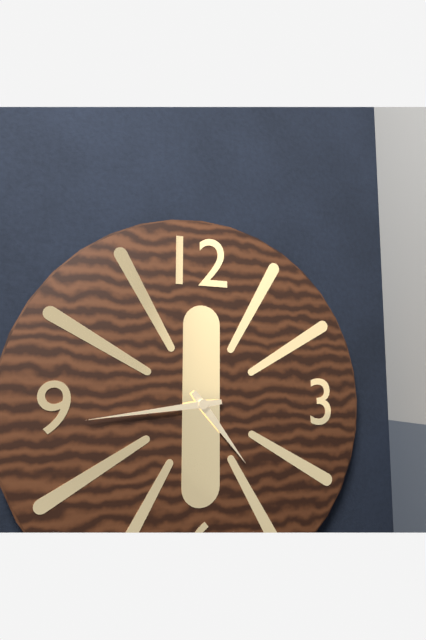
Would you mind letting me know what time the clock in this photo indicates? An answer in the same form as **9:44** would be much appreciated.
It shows **4:44**
